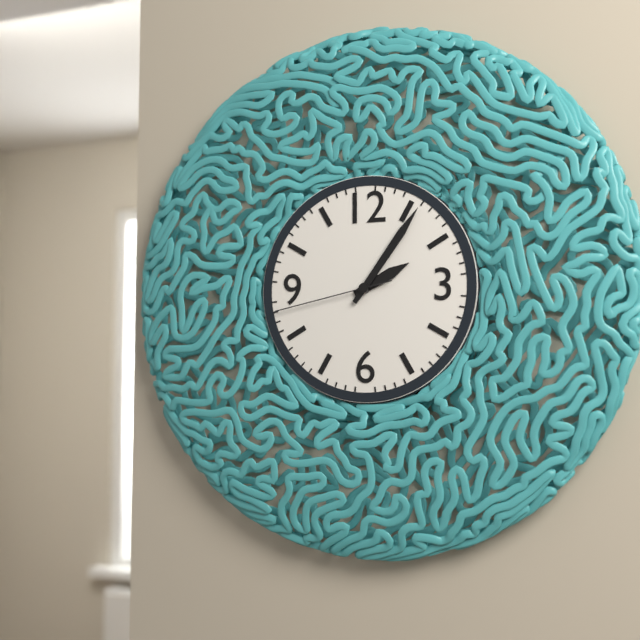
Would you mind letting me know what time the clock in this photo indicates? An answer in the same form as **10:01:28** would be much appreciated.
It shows **2:06:43**
